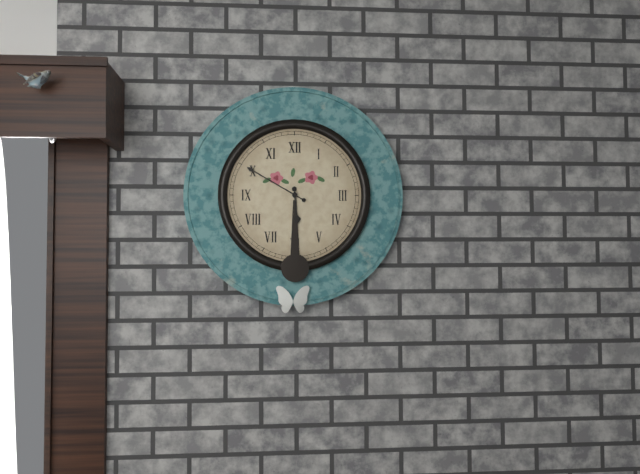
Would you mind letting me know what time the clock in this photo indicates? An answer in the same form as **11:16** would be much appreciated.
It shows **5:50**
